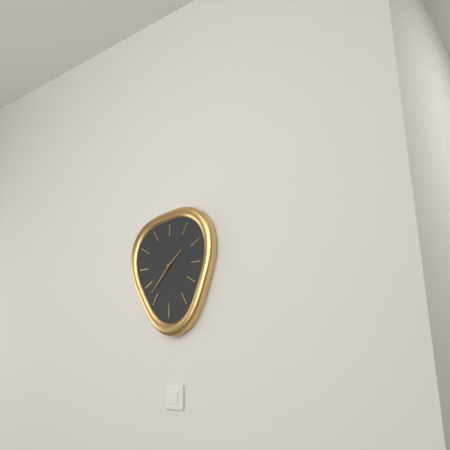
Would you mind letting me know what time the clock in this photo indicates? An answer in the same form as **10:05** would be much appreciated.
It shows **1:37**
